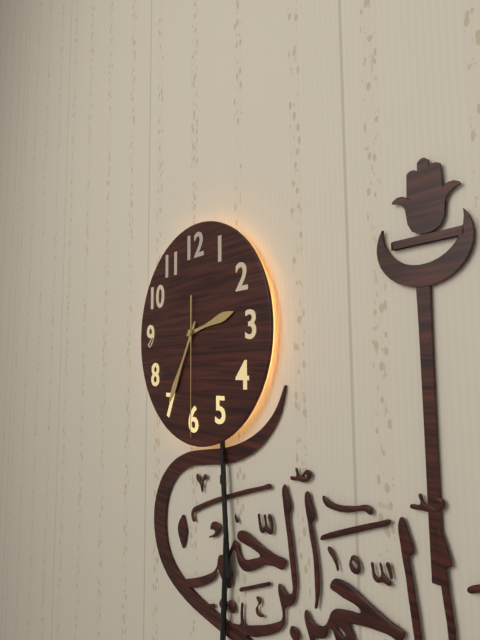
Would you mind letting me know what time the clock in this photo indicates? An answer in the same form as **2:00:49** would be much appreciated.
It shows **2:35:30**
